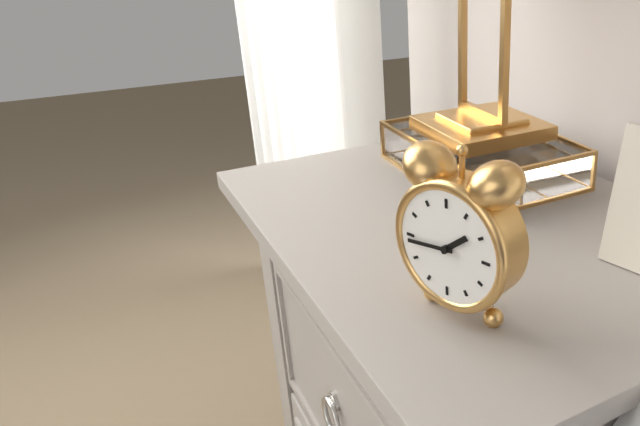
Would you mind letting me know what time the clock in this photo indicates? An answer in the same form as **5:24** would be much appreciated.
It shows **1:44**
